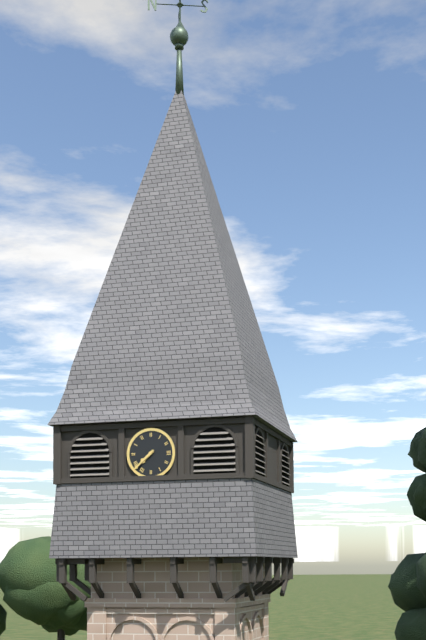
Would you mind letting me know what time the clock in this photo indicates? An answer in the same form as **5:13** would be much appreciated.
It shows **7:38**
